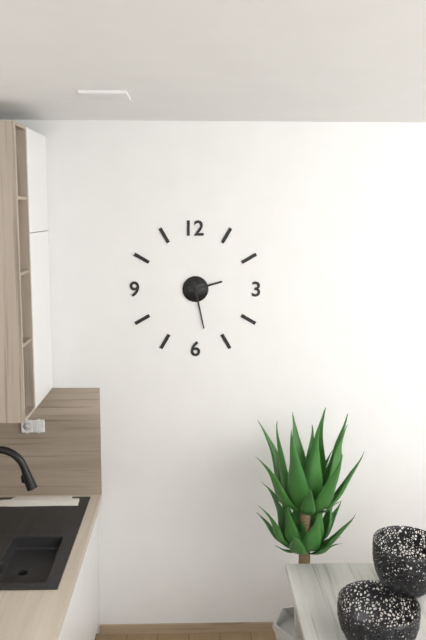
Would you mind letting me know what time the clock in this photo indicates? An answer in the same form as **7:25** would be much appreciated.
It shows **2:28**
